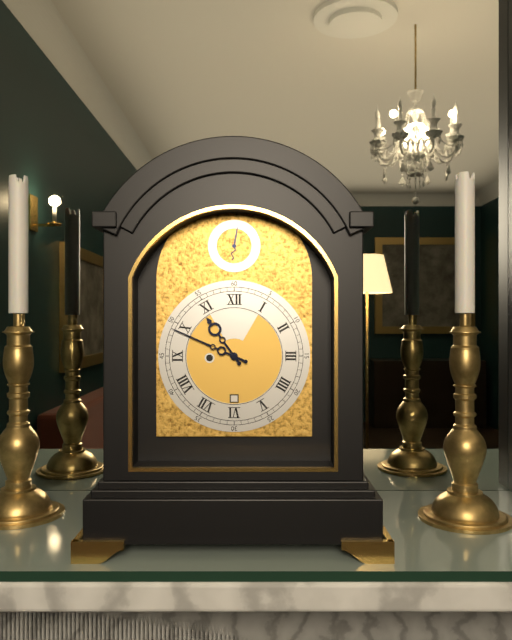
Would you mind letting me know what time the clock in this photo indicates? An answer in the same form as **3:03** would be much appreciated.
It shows **10:49**
